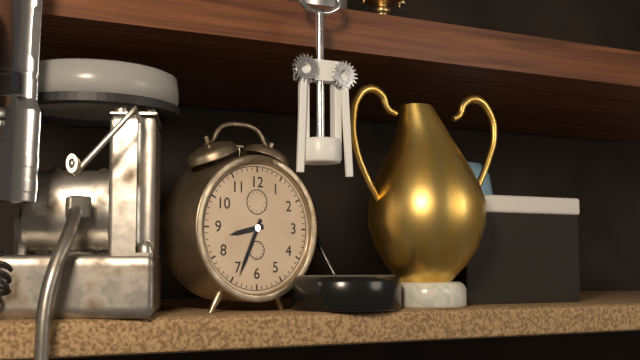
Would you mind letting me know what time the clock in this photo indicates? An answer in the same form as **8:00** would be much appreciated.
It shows **8:34**
